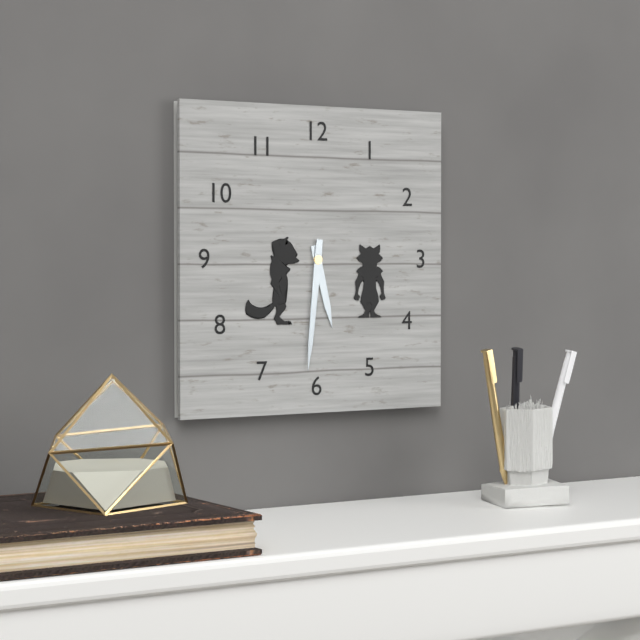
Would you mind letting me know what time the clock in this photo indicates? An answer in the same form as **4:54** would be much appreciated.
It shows **5:31**
